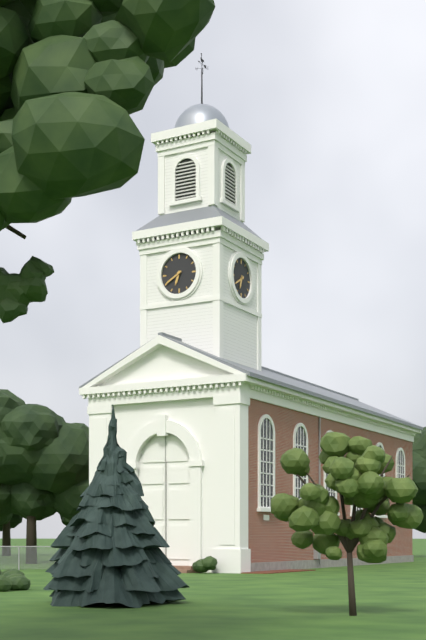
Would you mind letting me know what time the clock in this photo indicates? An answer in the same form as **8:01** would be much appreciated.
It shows **6:40**
